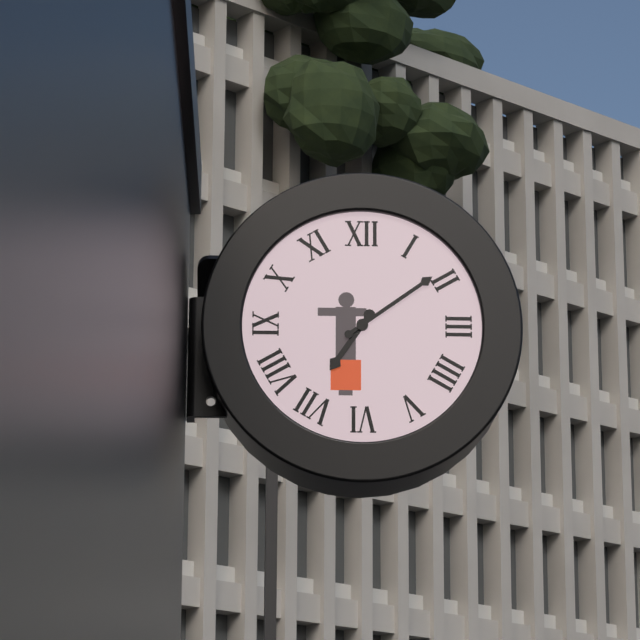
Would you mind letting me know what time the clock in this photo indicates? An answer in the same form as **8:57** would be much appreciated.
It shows **7:09**
